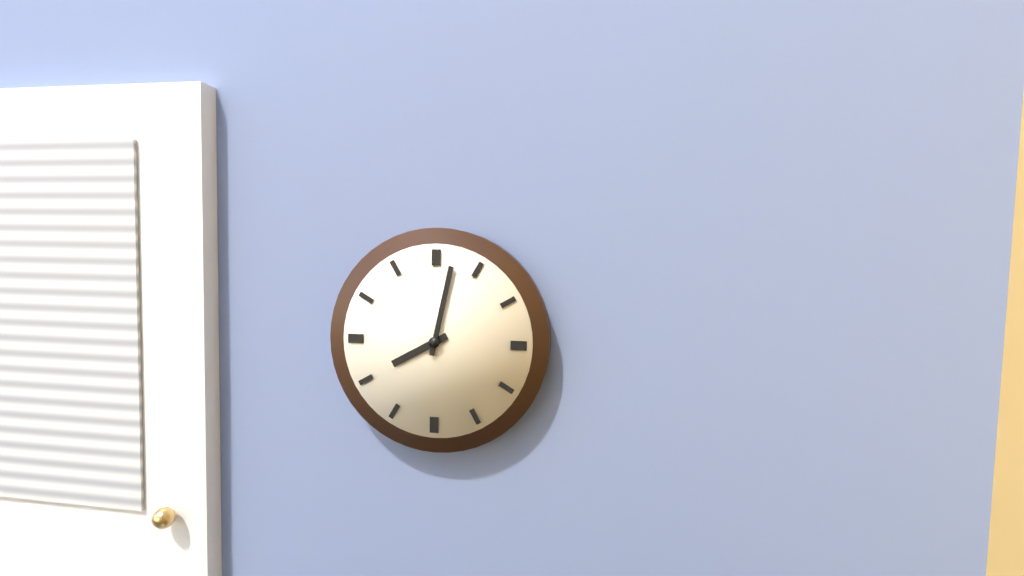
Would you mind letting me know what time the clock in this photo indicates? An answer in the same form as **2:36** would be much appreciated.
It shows **8:02**
